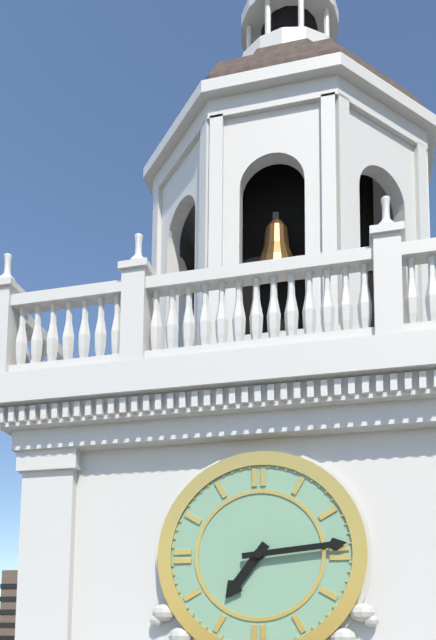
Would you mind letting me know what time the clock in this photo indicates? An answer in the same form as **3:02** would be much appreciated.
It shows **7:14**
